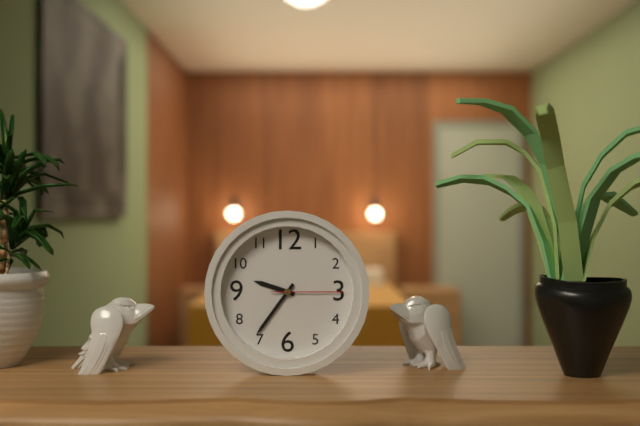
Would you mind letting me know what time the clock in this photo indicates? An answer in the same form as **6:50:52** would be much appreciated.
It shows **9:36:15**
